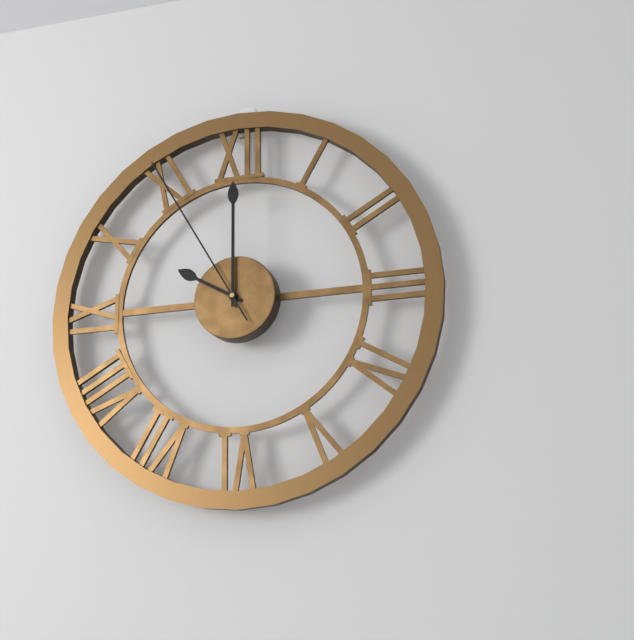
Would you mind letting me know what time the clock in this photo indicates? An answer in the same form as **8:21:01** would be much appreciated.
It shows **10:00:55**
